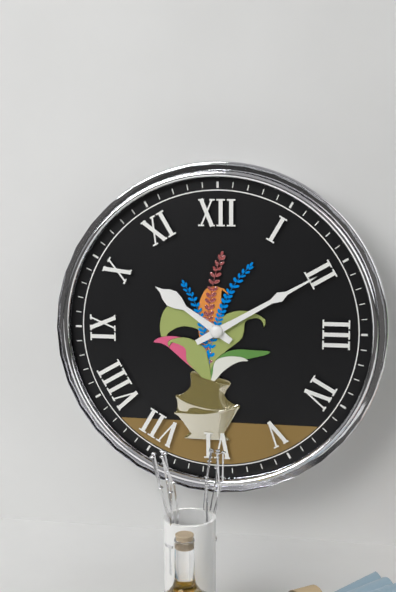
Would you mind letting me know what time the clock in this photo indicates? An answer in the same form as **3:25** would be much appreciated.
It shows **10:10**
